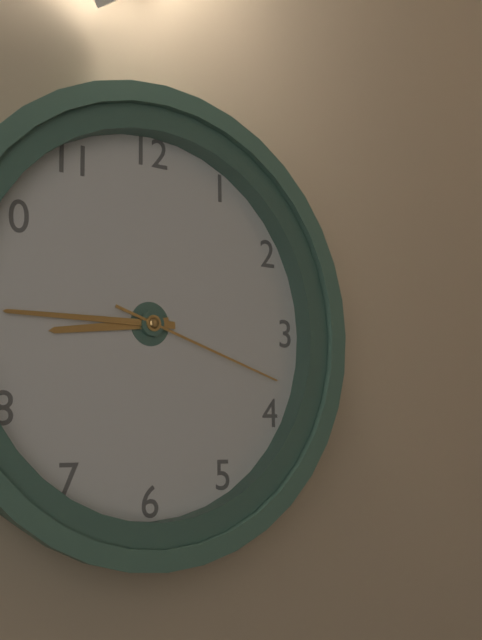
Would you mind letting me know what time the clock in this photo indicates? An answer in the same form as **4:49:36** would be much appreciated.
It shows **8:45:18**
